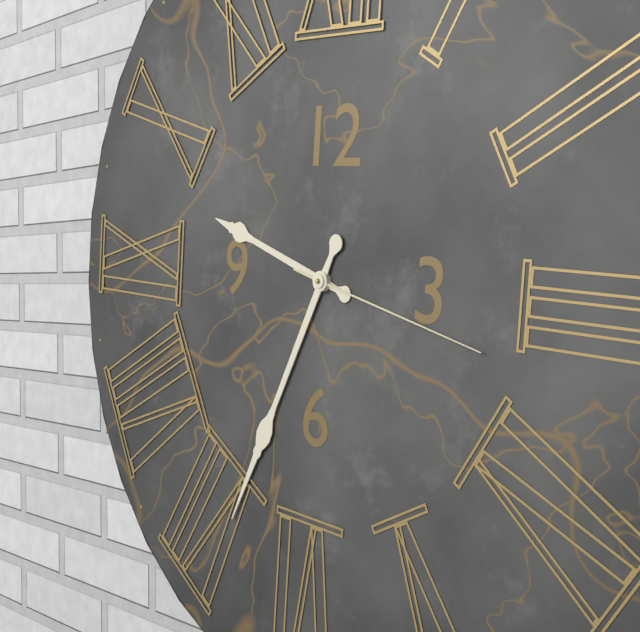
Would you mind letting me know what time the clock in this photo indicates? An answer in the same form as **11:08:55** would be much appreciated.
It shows **9:34:17**
